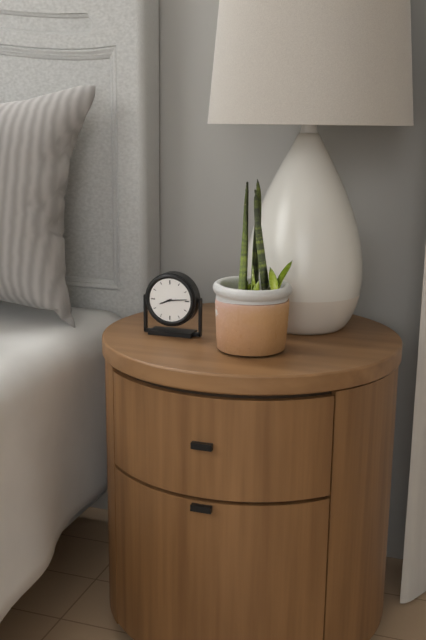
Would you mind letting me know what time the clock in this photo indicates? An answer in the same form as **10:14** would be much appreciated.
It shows **8:14**
